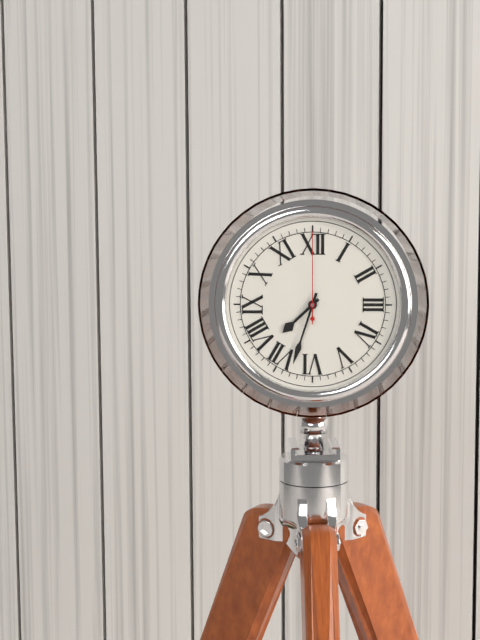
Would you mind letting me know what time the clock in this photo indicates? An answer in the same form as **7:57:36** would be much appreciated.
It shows **7:33:00**
